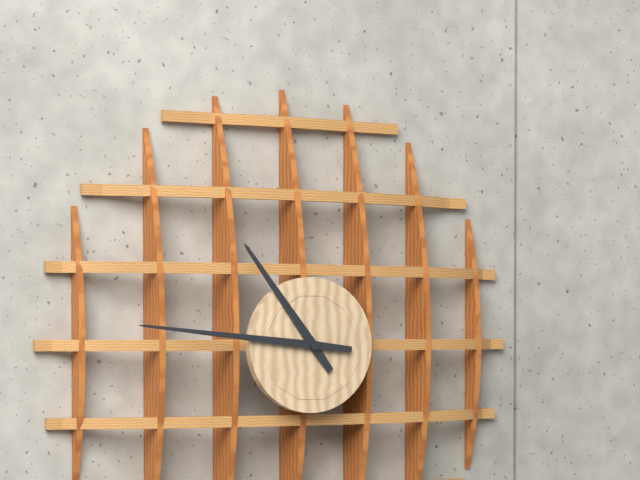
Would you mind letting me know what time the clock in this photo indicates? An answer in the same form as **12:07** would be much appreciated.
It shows **10:46**
